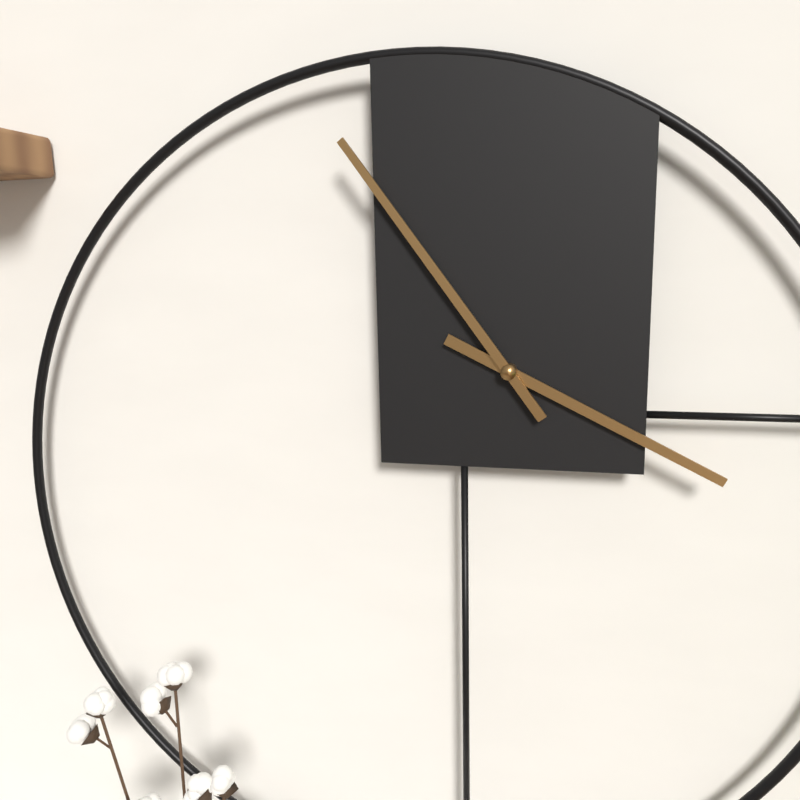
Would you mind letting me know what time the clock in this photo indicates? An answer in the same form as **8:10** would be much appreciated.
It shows **3:54**
